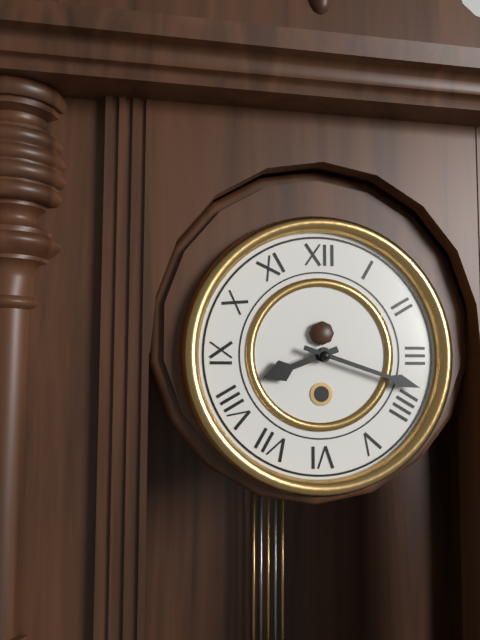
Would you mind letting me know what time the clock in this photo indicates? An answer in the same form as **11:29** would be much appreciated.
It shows **8:18**
